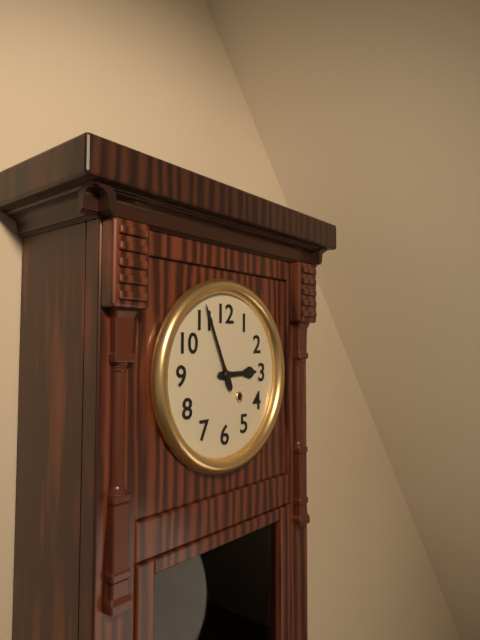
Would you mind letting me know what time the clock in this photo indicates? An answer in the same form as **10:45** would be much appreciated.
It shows **2:56**
